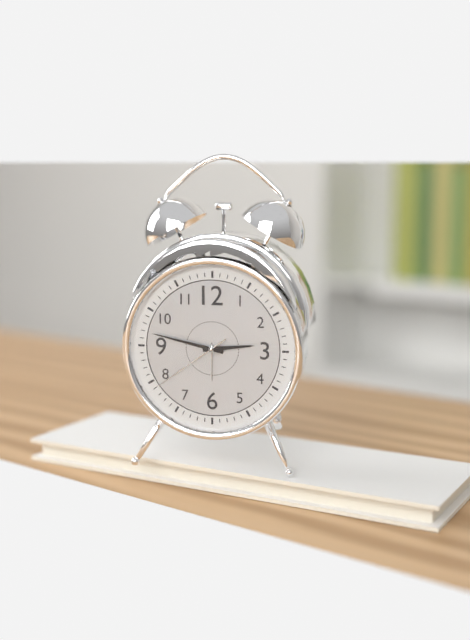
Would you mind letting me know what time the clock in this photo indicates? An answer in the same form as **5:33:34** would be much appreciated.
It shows **2:47:39**
